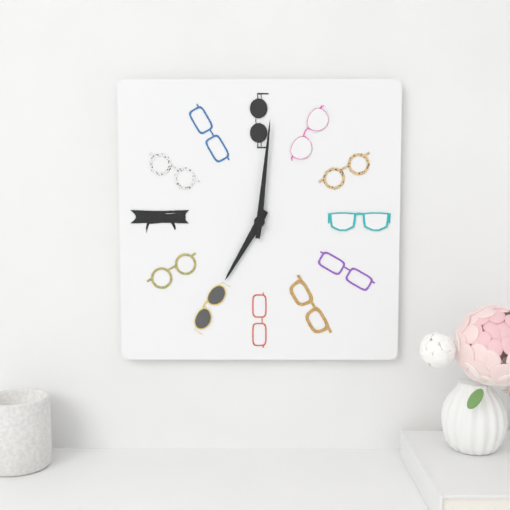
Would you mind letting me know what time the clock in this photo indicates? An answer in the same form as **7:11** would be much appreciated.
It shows **7:01**
